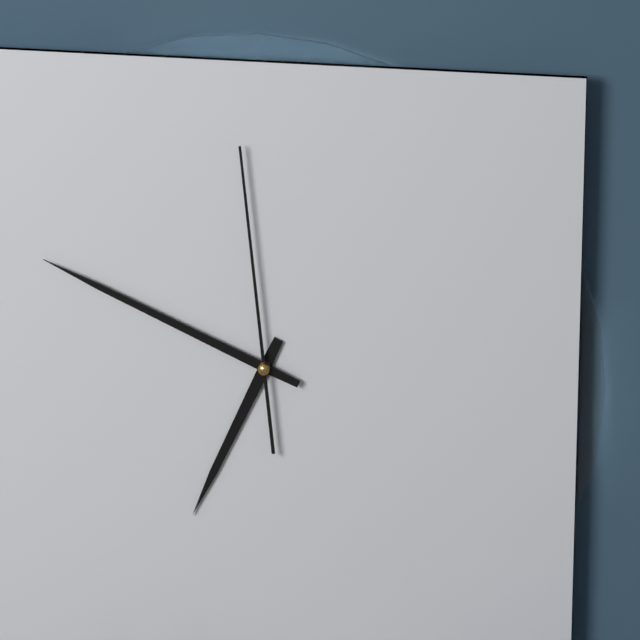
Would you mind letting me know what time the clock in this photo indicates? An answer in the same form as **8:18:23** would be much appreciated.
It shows **6:49:59**
